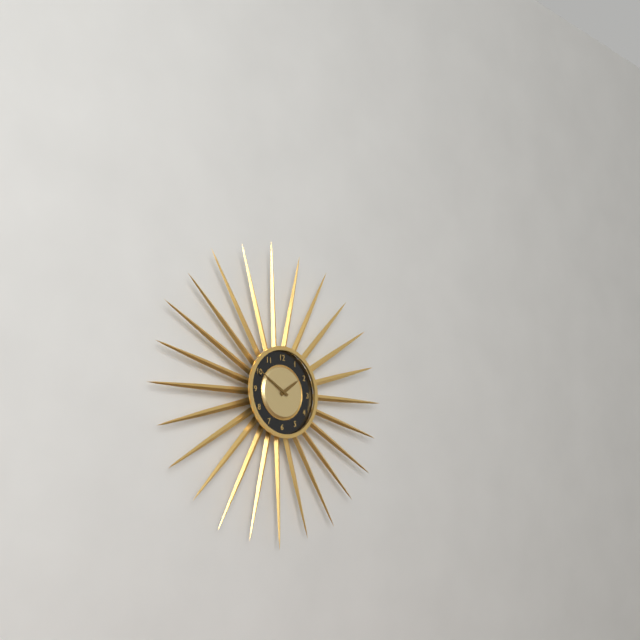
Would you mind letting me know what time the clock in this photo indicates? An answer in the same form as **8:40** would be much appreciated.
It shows **1:50**
